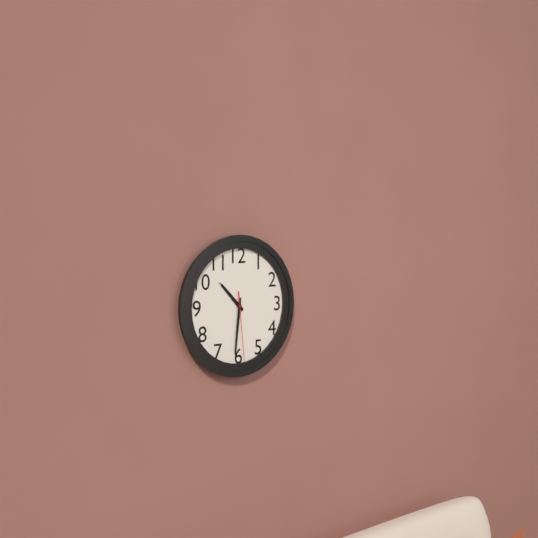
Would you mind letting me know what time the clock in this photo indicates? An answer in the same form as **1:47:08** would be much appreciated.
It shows **10:31:29**
